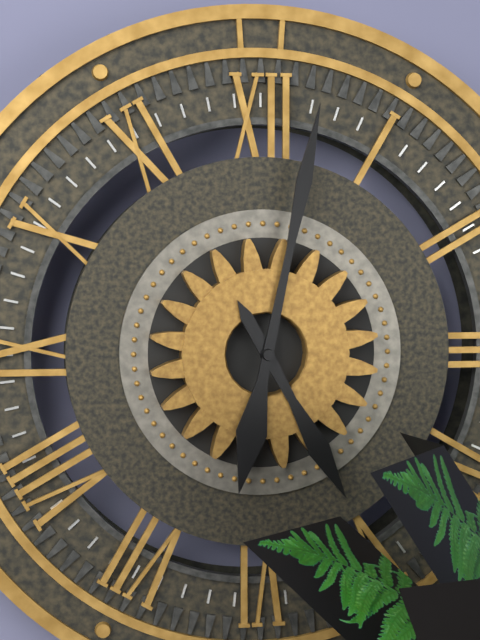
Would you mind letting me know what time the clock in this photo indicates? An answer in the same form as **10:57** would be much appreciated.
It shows **5:02**
